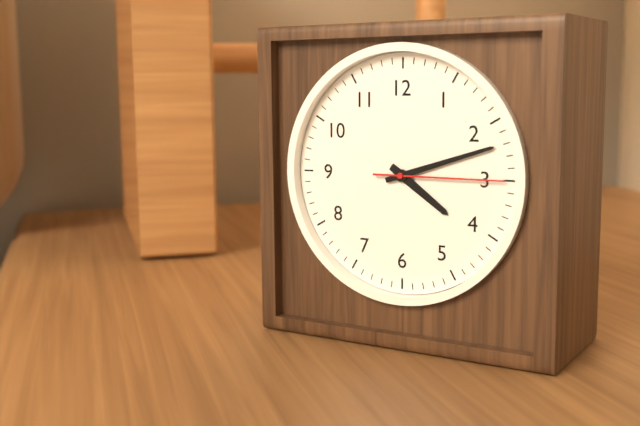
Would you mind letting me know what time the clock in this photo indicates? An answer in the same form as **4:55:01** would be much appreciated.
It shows **4:12:15**
